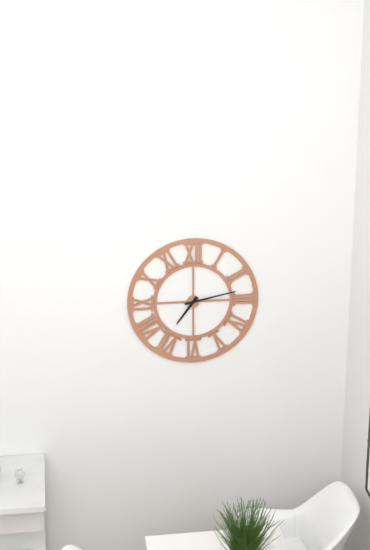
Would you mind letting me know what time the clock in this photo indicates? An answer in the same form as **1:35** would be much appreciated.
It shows **7:13**
